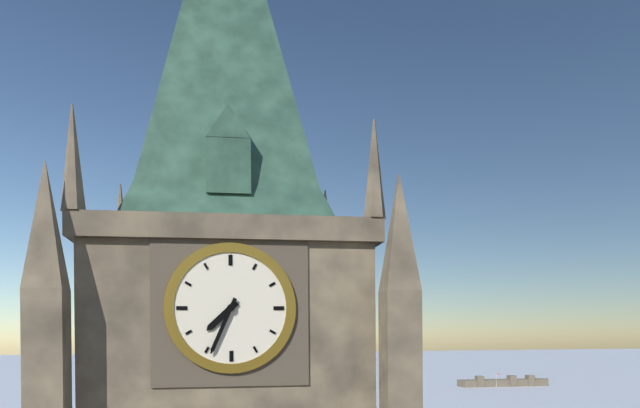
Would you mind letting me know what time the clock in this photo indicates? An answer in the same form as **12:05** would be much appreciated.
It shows **7:34**
